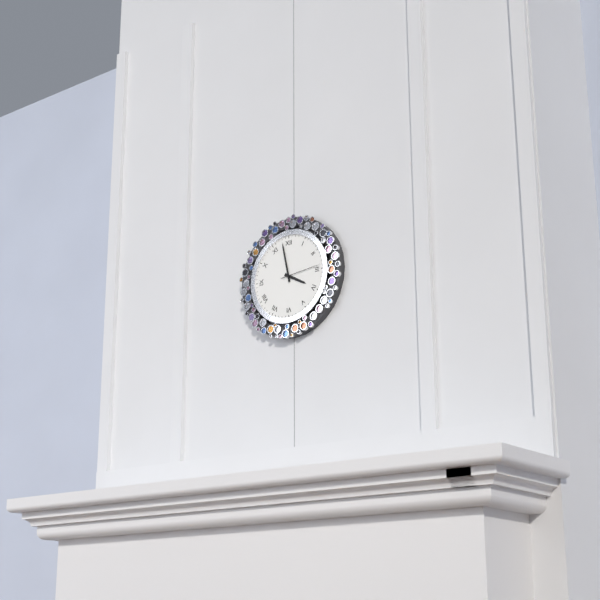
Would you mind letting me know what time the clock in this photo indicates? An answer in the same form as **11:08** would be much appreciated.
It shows **3:58**
